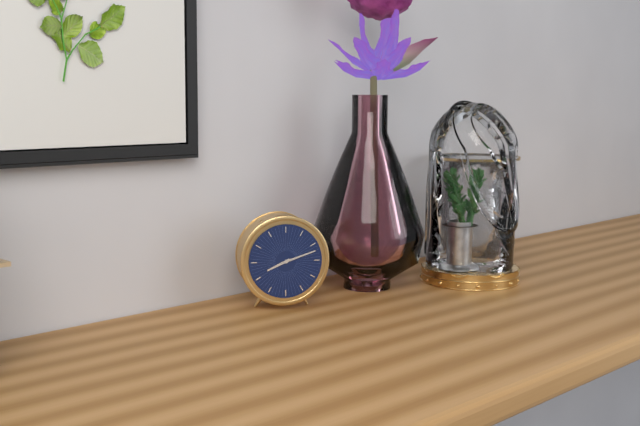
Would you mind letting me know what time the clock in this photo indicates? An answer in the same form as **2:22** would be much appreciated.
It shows **8:12**
